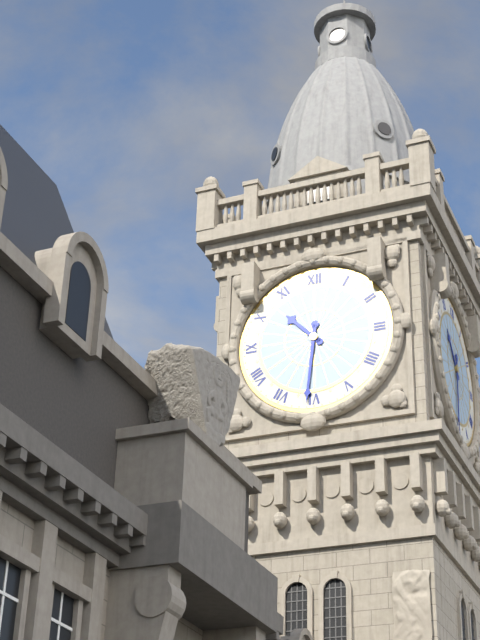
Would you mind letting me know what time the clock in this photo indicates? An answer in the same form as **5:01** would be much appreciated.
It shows **10:31**
